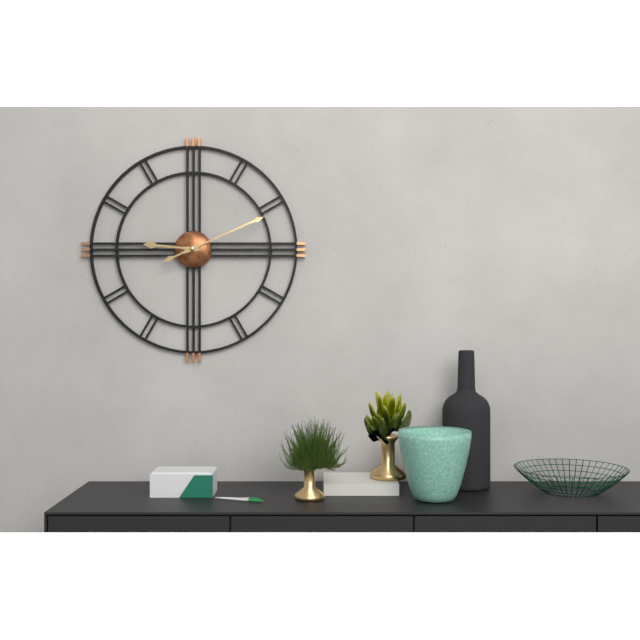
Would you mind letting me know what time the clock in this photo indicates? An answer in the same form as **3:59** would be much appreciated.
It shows **9:11**
